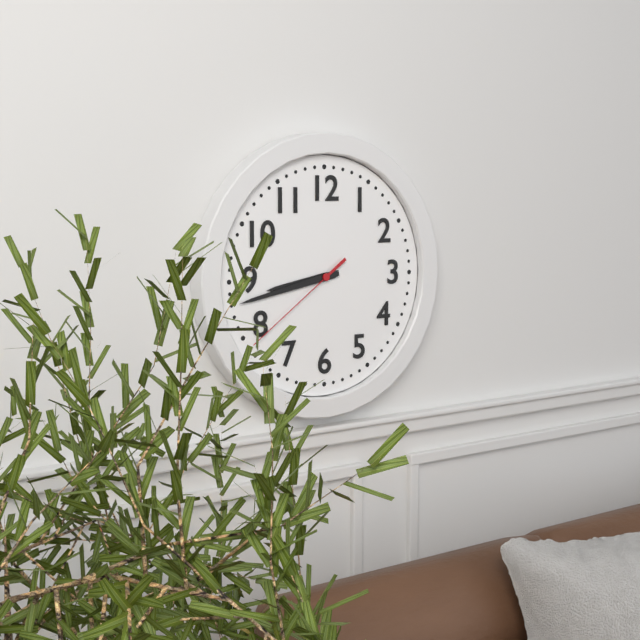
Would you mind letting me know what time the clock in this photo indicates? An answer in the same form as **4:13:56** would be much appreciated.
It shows **8:43:39**
